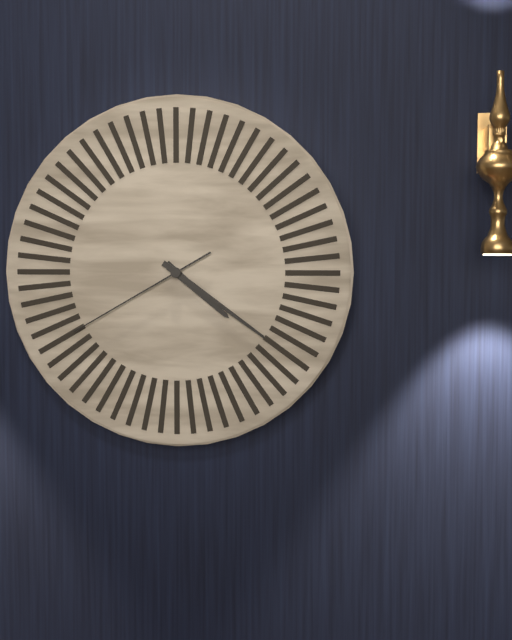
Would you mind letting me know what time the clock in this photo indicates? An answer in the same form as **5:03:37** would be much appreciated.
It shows **4:21:40**
